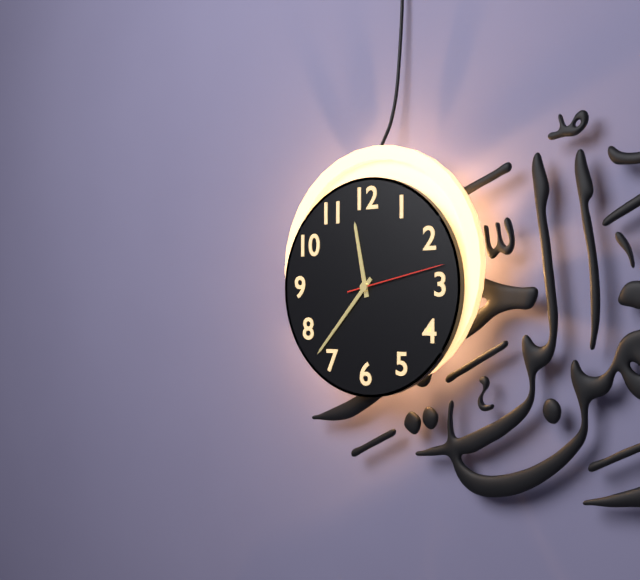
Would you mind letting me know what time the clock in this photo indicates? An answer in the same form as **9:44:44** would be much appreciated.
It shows **11:37:13**
